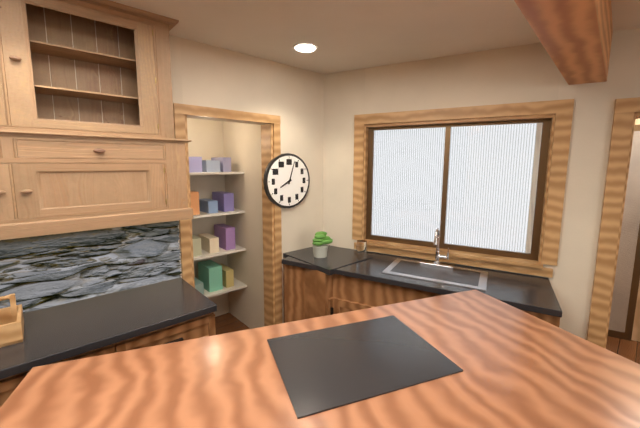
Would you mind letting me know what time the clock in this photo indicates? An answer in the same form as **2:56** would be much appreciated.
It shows **8:03**
